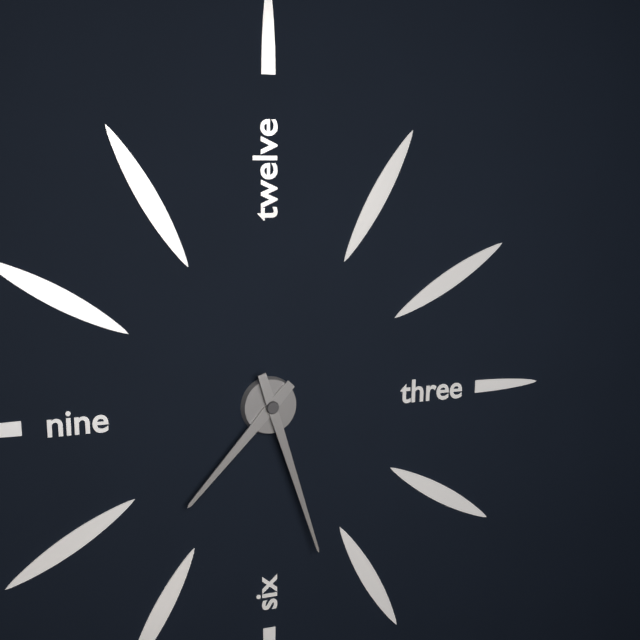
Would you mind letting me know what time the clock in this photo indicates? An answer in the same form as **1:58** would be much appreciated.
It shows **7:27**
